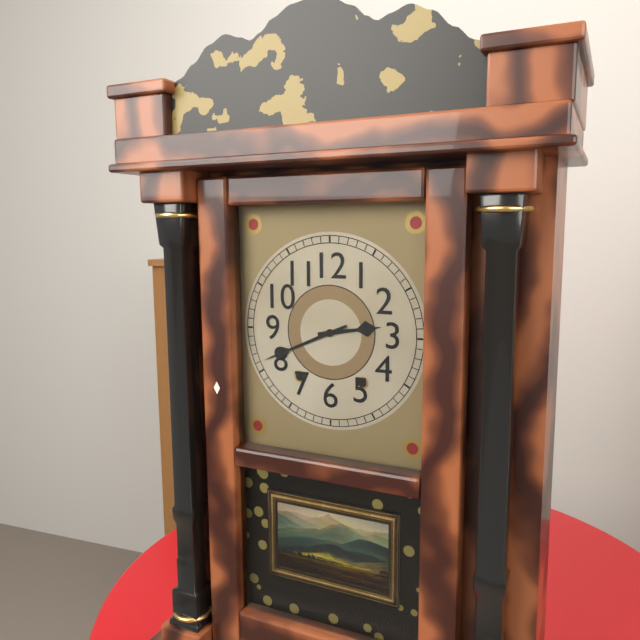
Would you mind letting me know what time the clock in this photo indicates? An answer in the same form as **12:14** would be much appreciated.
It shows **2:41**
